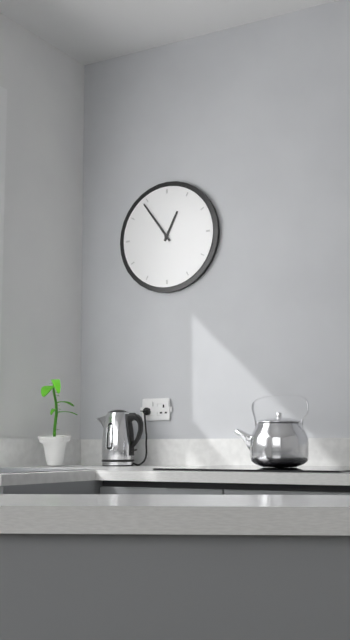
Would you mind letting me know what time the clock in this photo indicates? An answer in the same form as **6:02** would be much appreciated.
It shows **12:54**
